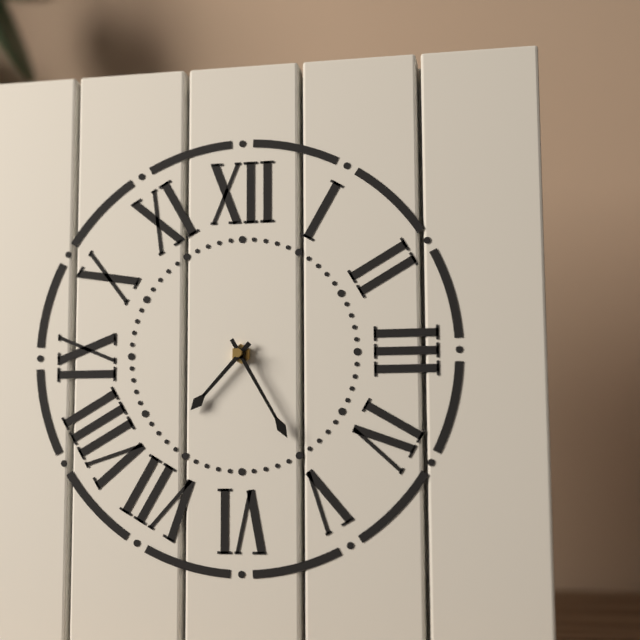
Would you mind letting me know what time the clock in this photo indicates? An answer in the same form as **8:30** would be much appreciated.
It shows **7:25**
